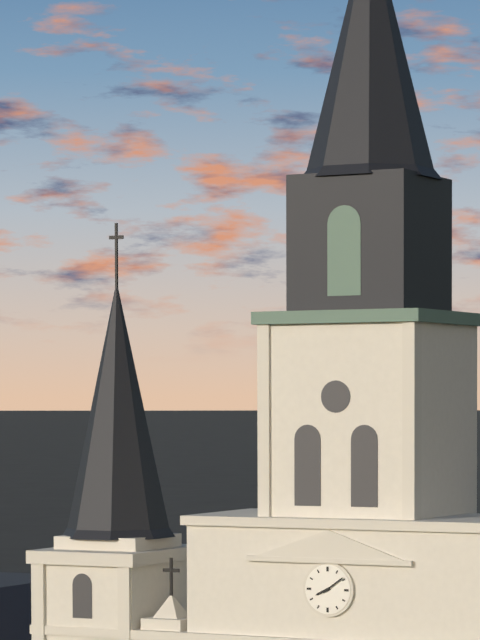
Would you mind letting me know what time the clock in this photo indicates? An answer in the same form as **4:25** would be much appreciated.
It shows **8:09**
